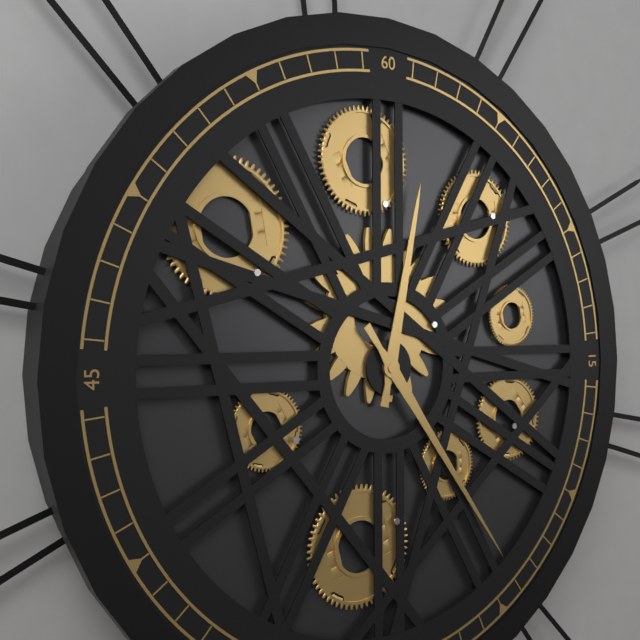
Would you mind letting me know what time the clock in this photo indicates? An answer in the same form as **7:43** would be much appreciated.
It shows **12:24**
